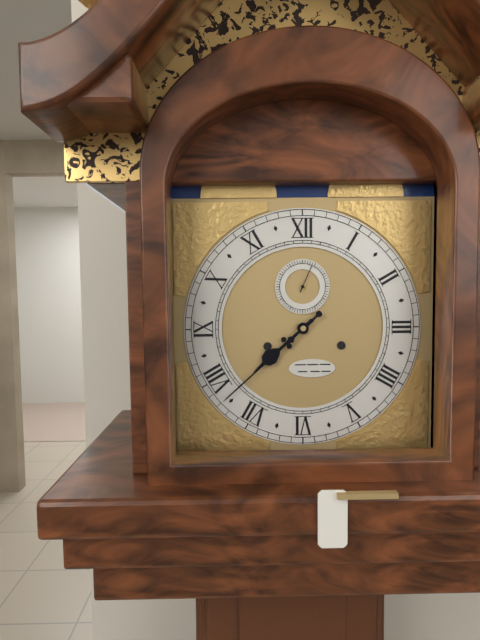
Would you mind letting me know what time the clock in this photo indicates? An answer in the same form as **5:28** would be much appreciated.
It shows **7:38**
